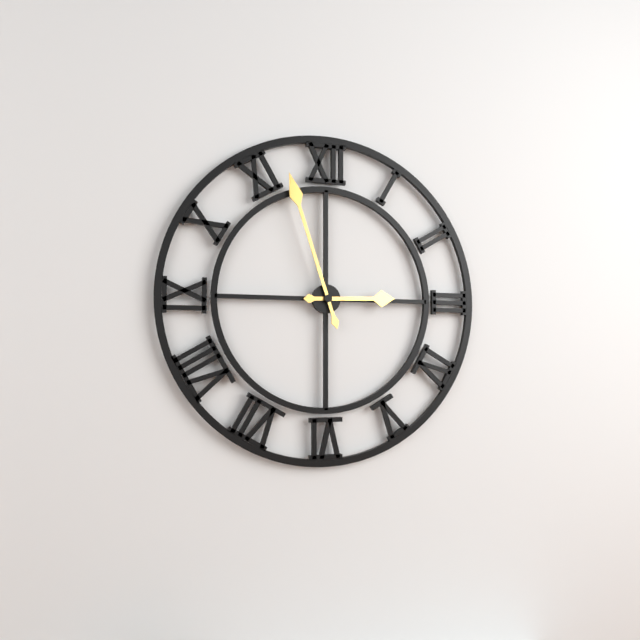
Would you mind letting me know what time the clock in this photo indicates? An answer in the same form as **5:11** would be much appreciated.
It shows **2:57**
